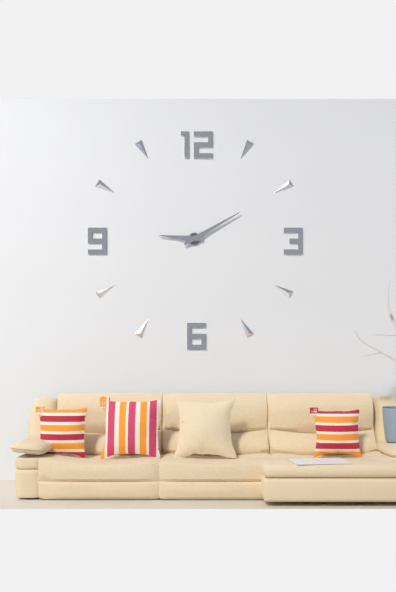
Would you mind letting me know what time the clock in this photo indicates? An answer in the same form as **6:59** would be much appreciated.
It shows **9:10**
